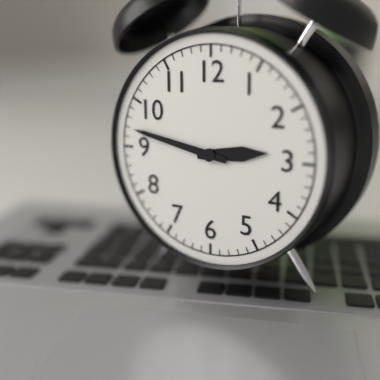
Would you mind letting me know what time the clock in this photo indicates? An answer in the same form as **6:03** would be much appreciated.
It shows **2:47**
